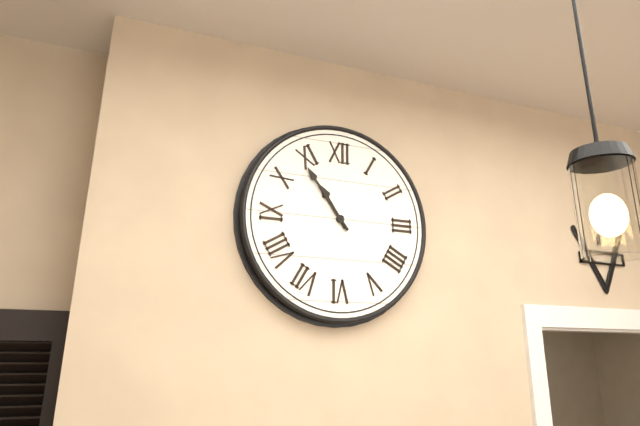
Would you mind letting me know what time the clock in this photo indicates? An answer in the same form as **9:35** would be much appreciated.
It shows **10:54**
